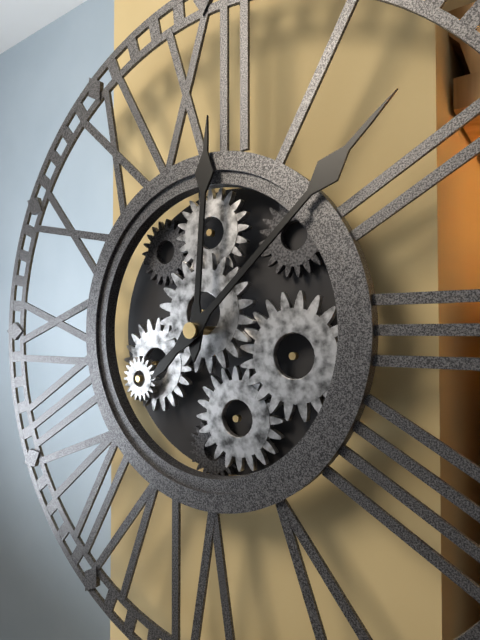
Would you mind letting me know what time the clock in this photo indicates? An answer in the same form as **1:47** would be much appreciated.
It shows **12:08**
